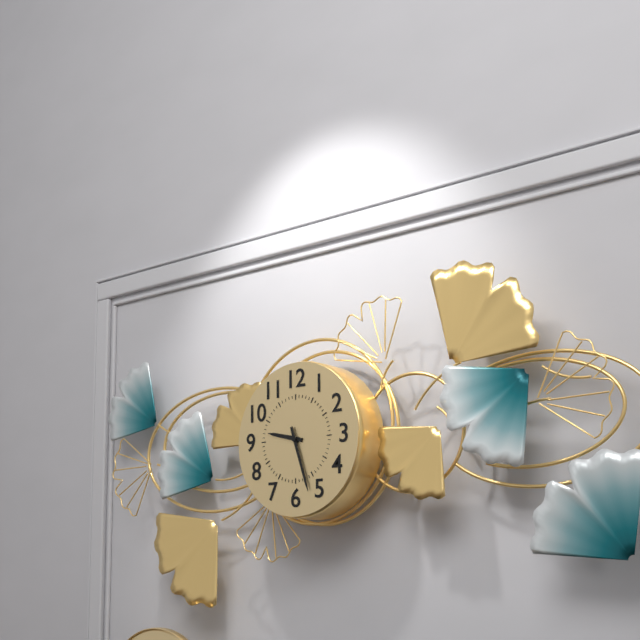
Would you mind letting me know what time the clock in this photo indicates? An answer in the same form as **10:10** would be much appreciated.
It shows **9:27**
